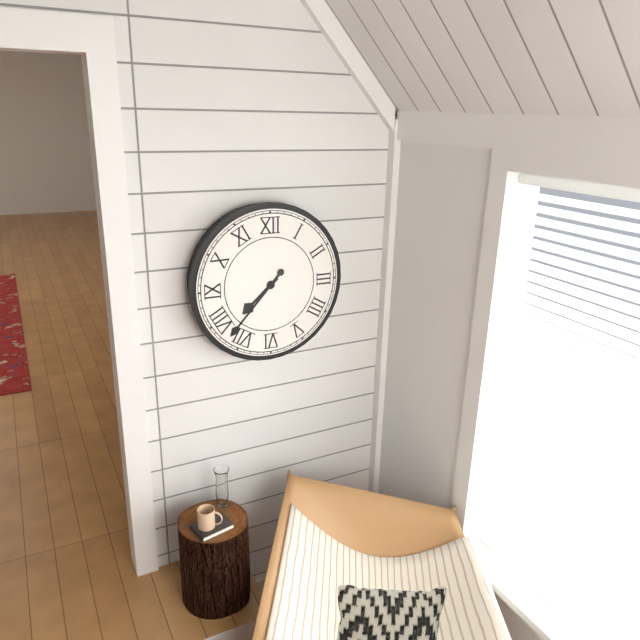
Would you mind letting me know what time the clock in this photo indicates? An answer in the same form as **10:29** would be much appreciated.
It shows **7:37**
